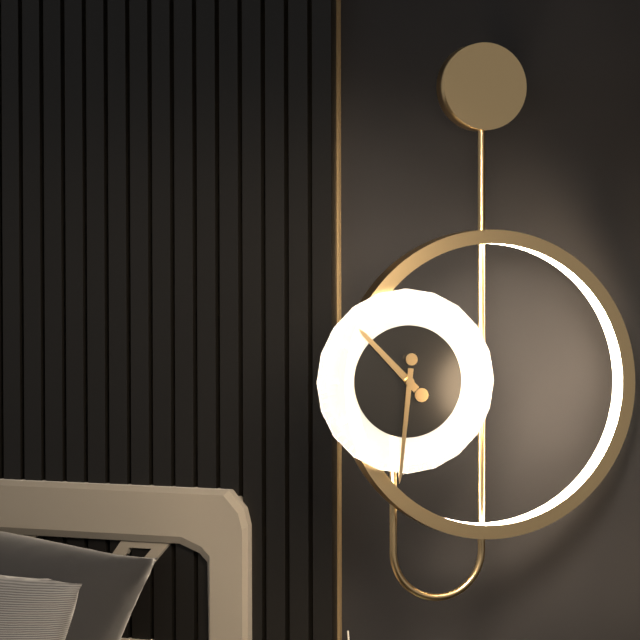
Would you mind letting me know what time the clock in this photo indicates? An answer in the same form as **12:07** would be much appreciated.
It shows **10:31**
